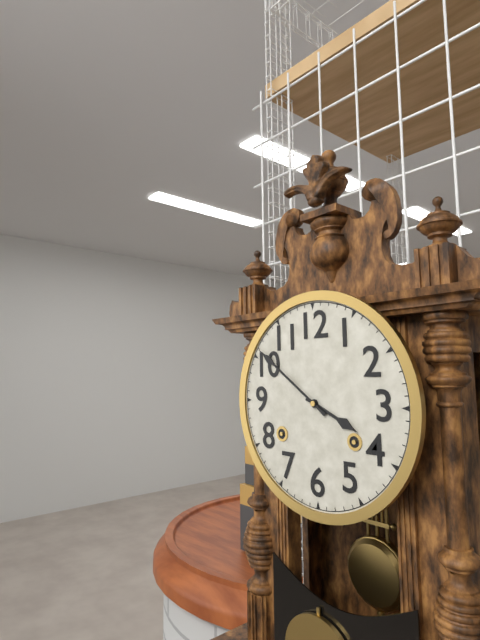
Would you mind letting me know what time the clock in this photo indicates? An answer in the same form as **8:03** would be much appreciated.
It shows **3:51**
